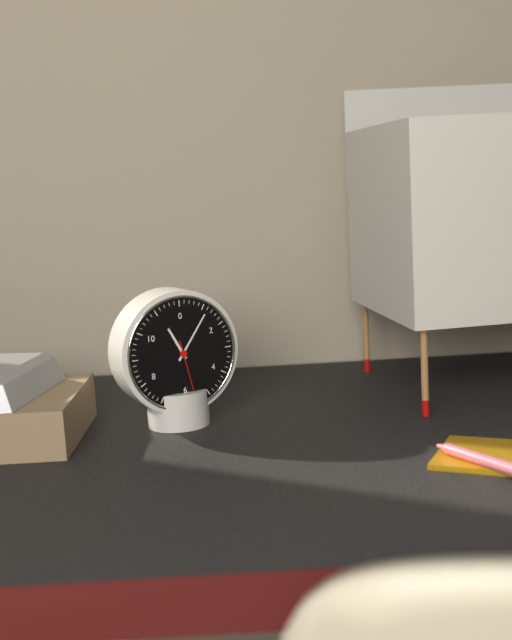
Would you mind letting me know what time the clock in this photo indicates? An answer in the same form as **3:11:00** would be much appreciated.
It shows **11:06:28**
